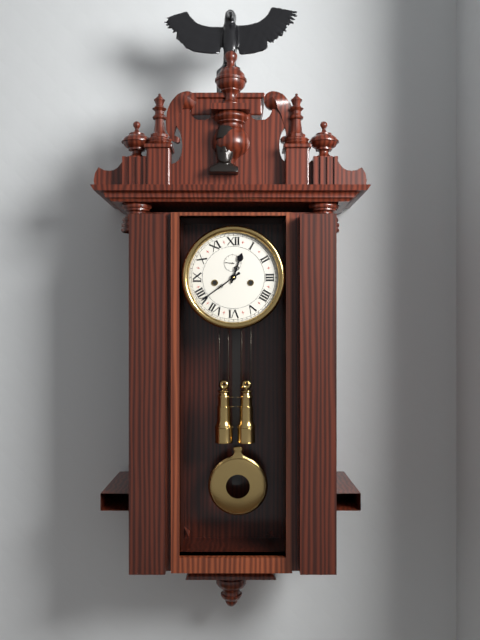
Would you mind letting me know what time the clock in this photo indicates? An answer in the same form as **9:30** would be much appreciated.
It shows **12:39**
